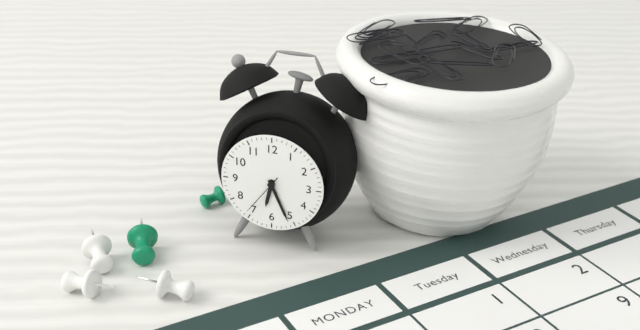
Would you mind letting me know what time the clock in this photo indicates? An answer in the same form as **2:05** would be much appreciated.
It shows **6:26**
